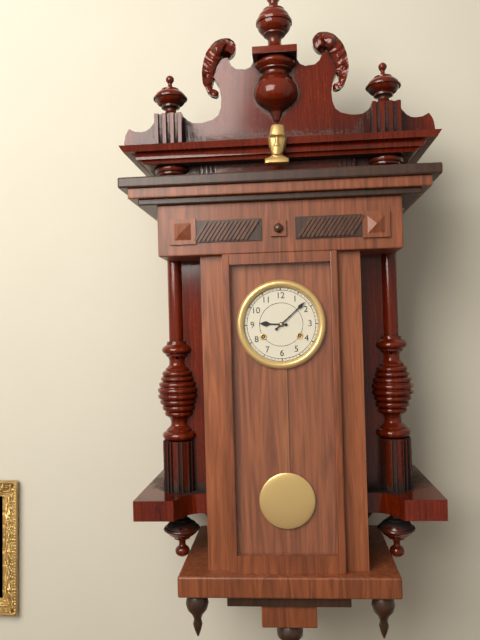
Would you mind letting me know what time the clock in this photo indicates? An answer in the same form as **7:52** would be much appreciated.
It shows **9:08**
